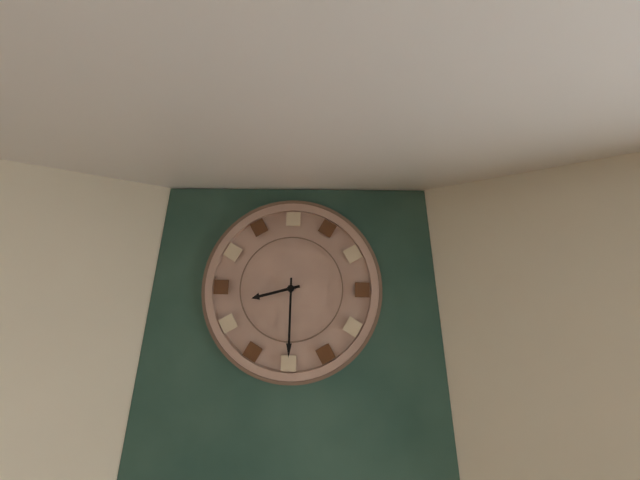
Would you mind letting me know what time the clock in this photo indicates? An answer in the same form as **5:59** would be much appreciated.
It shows **8:30**
